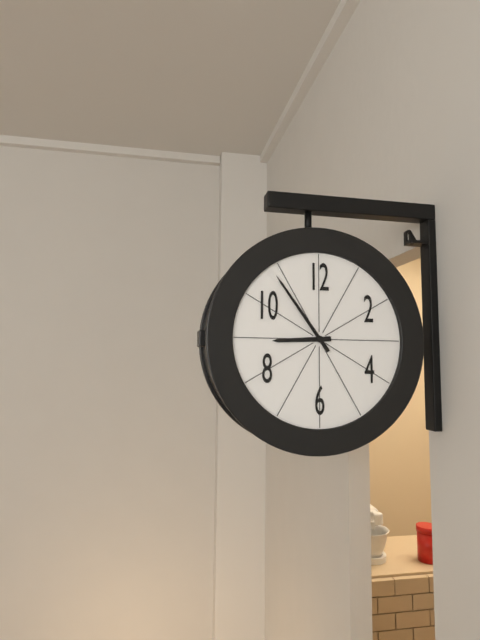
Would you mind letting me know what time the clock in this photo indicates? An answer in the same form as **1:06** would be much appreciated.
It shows **8:54**
